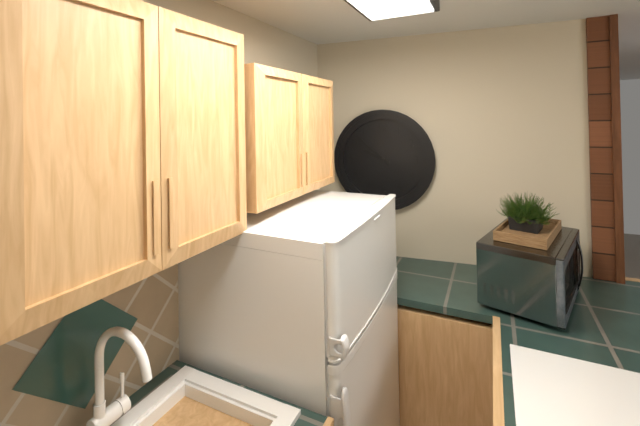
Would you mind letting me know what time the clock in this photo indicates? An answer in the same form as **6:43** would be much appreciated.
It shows **9:52**
